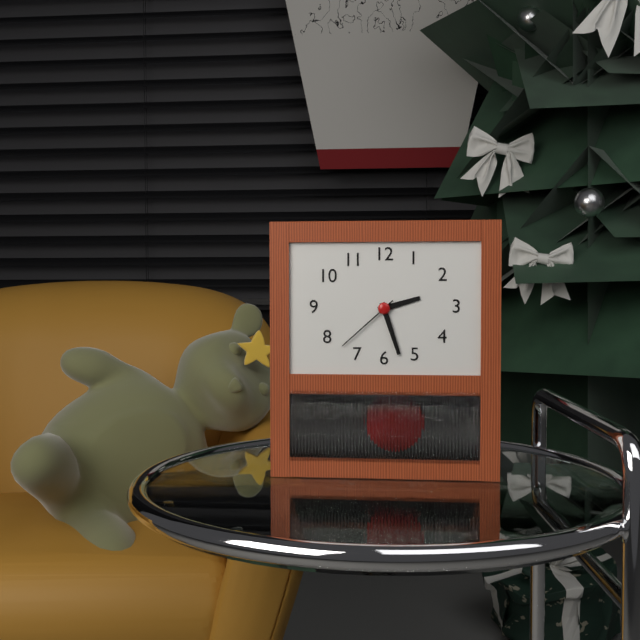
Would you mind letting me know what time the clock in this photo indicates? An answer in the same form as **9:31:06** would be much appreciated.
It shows **2:27:38**
